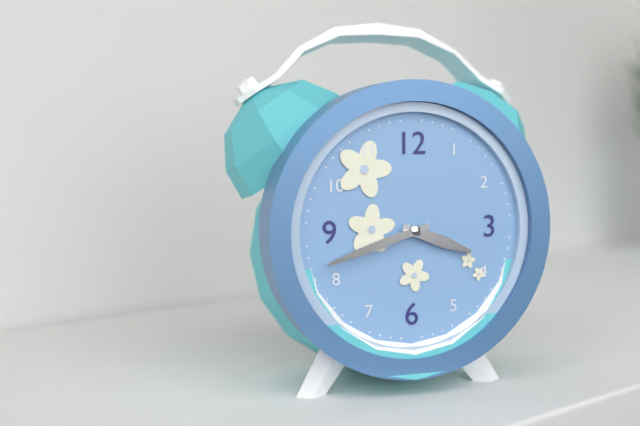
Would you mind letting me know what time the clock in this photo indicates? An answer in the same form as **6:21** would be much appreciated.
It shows **3:42**
